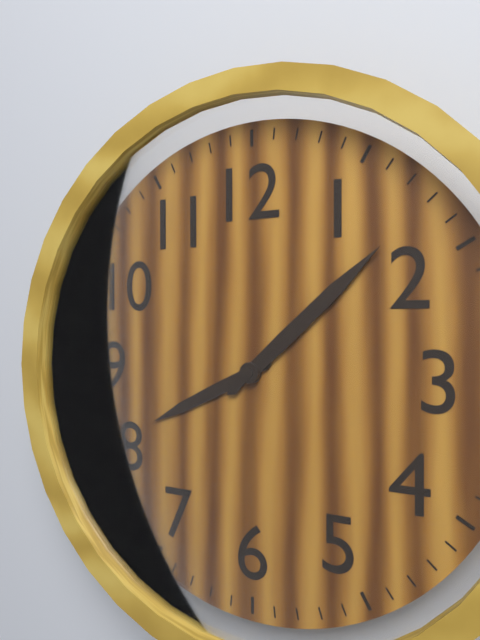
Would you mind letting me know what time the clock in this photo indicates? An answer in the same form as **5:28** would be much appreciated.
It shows **8:08**
